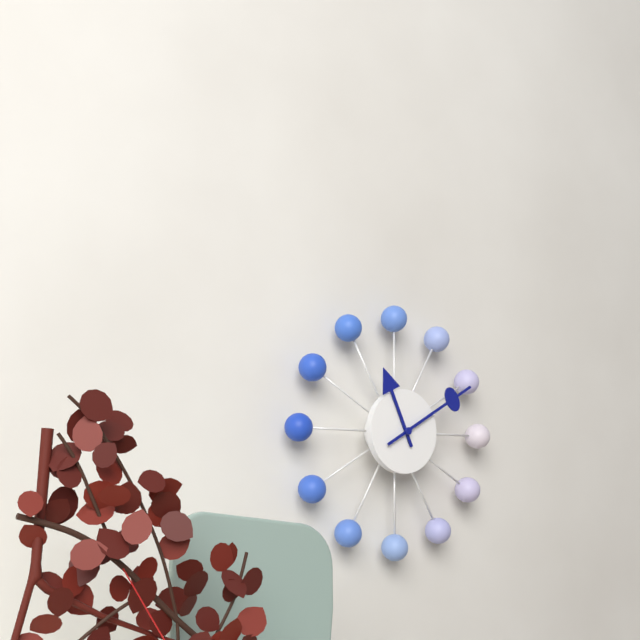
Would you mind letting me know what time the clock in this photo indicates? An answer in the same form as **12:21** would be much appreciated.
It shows **11:10**
